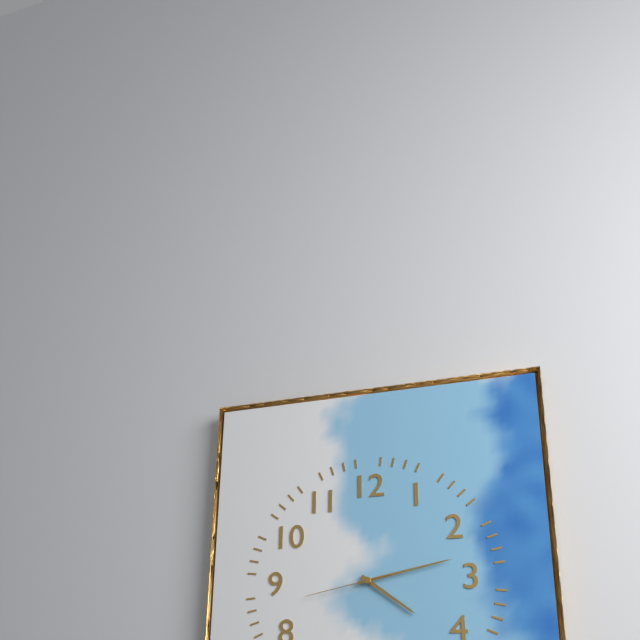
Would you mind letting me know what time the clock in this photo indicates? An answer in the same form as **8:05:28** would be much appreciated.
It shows **4:13:43**
